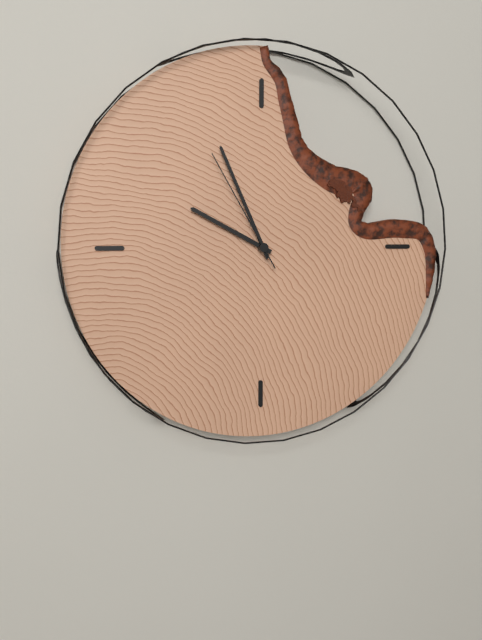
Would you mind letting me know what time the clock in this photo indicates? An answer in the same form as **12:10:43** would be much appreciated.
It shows **9:56:55**
